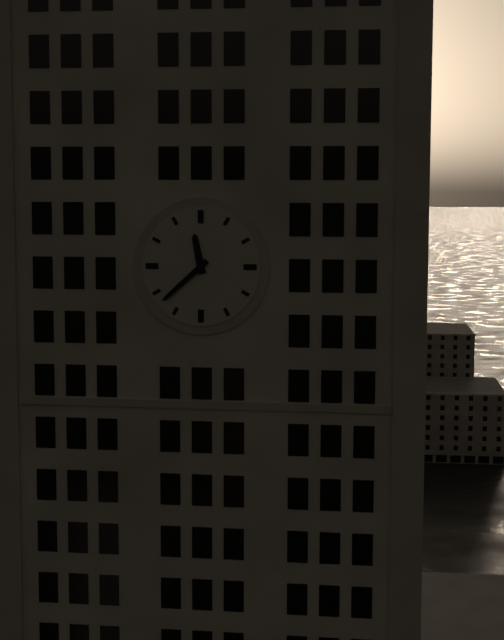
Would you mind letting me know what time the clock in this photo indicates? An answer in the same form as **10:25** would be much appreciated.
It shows **11:38**
